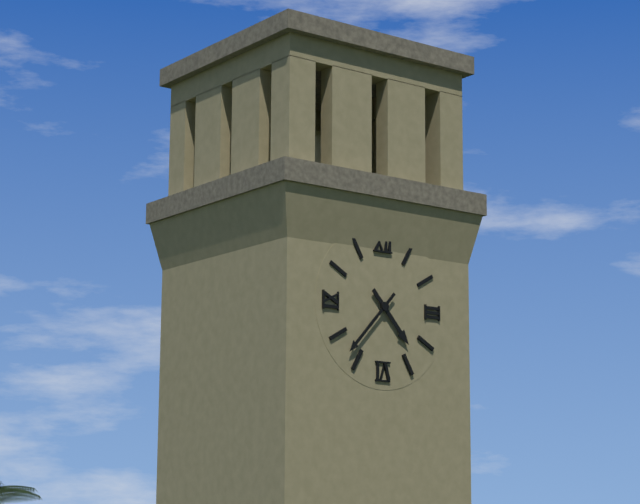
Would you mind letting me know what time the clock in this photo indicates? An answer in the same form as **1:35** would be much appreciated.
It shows **4:37**
